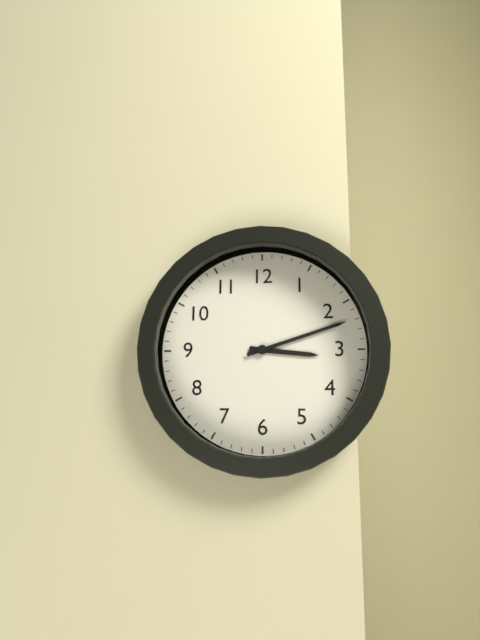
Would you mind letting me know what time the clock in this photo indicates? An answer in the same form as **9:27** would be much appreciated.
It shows **3:12**
